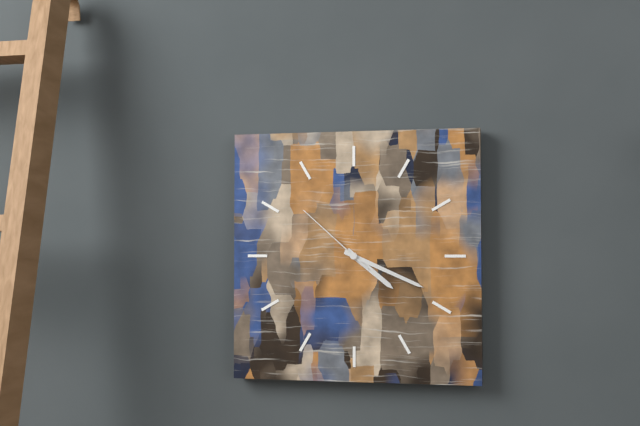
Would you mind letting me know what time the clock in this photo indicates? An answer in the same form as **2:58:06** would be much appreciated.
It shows **4:19:52**
